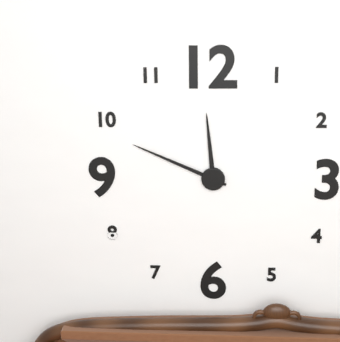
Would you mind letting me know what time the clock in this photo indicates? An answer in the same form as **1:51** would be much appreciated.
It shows **11:49**
